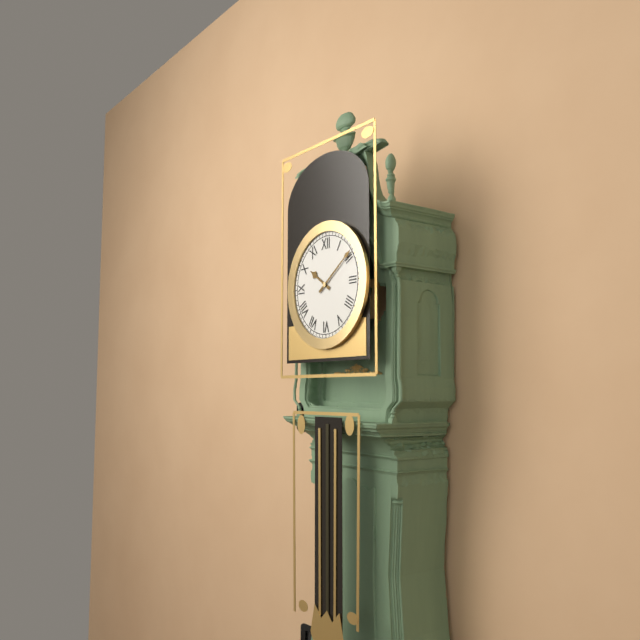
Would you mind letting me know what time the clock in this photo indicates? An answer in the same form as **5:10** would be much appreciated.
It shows **10:09**
